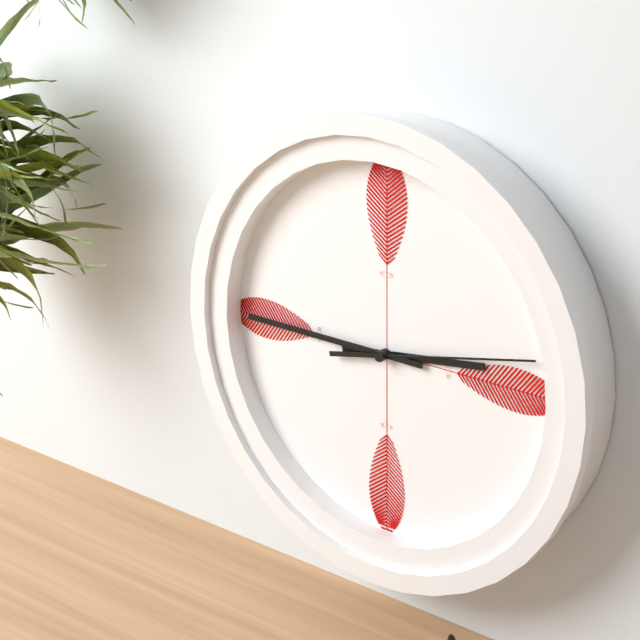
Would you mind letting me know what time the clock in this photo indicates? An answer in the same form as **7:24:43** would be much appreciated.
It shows **2:45:13**
